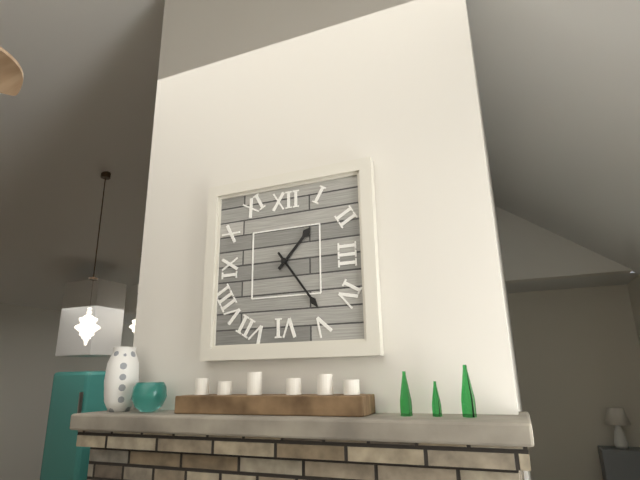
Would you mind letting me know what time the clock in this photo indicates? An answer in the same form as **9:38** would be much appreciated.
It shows **1:24**
